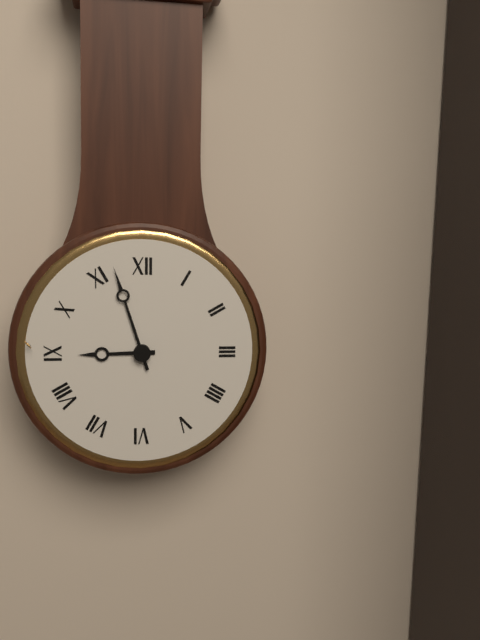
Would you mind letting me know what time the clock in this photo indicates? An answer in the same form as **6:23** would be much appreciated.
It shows **8:57**
